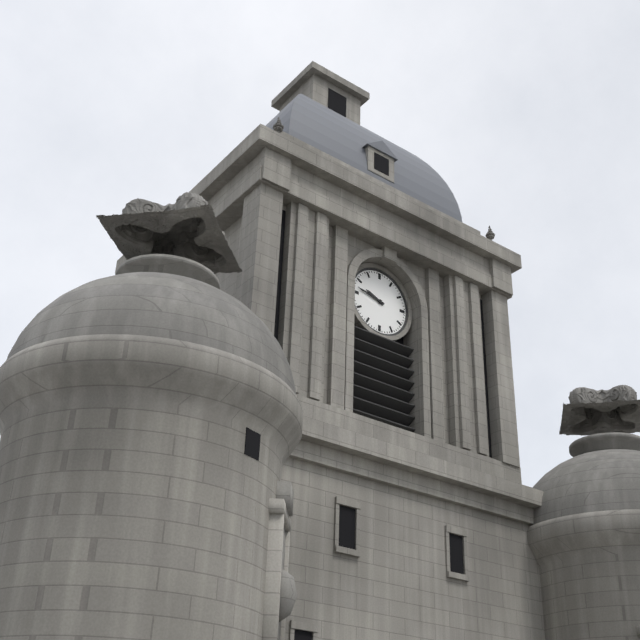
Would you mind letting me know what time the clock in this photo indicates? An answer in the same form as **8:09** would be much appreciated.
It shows **9:47**
